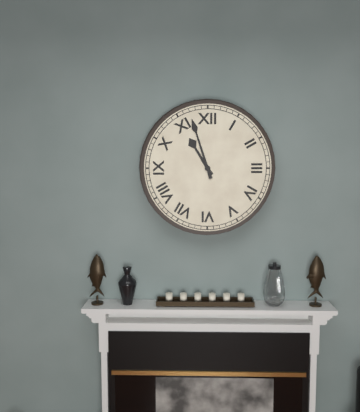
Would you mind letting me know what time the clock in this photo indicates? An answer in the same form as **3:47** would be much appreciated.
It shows **10:57**
